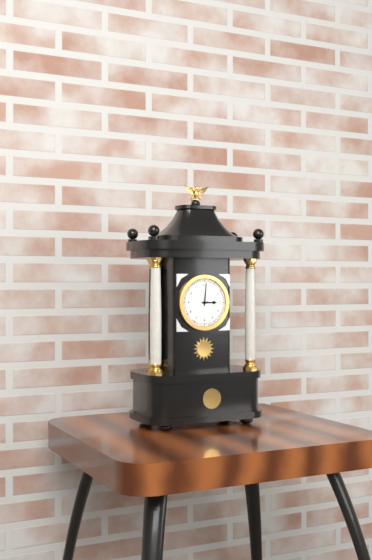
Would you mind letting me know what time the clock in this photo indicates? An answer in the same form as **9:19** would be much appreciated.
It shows **3:01**
